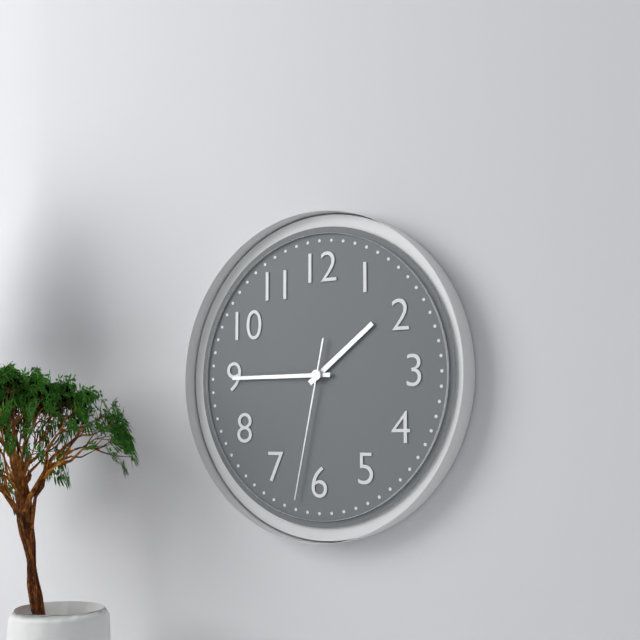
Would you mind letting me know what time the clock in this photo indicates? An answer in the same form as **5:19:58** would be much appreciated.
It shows **1:45:32**
